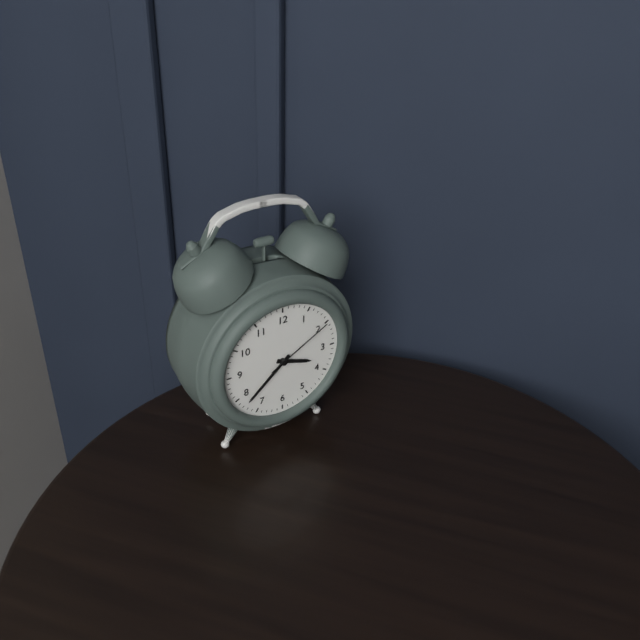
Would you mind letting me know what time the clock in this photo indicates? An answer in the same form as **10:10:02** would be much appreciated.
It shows **3:38:10**
